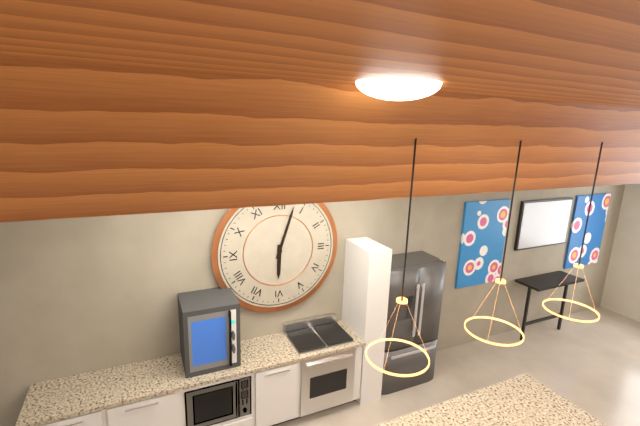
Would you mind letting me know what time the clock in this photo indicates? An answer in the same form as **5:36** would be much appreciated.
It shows **6:03**
